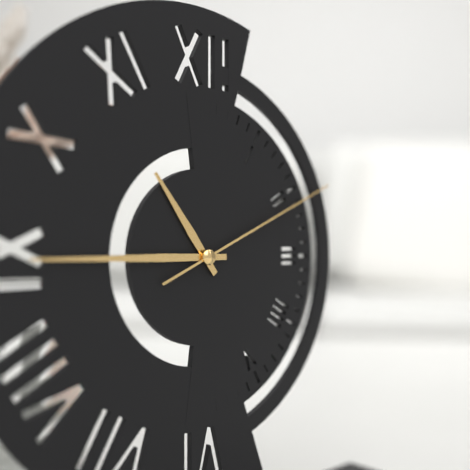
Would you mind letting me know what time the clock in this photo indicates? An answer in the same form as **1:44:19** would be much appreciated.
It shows **10:45:11**
